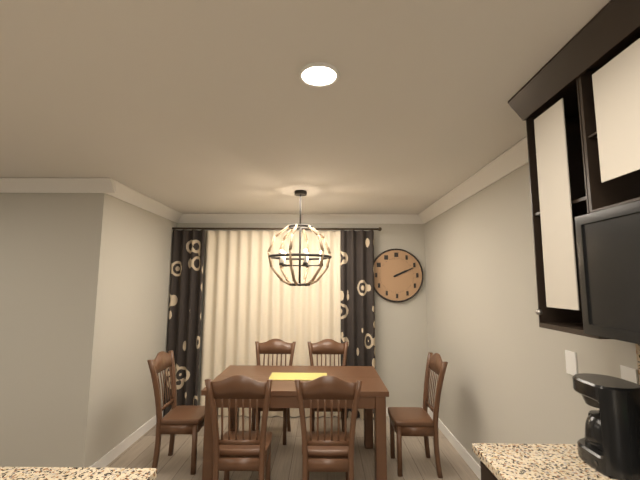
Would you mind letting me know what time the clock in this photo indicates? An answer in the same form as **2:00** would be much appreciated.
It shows **2:11**
